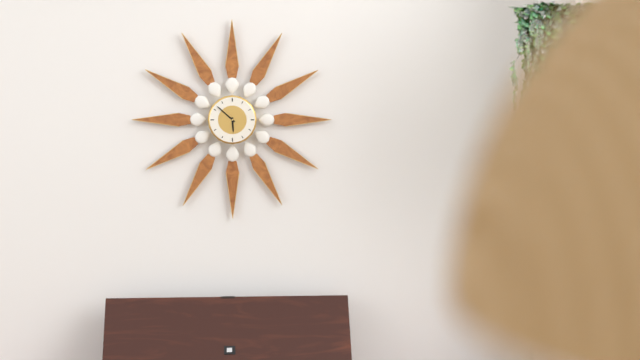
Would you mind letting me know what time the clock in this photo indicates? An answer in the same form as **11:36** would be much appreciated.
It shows **5:52**
